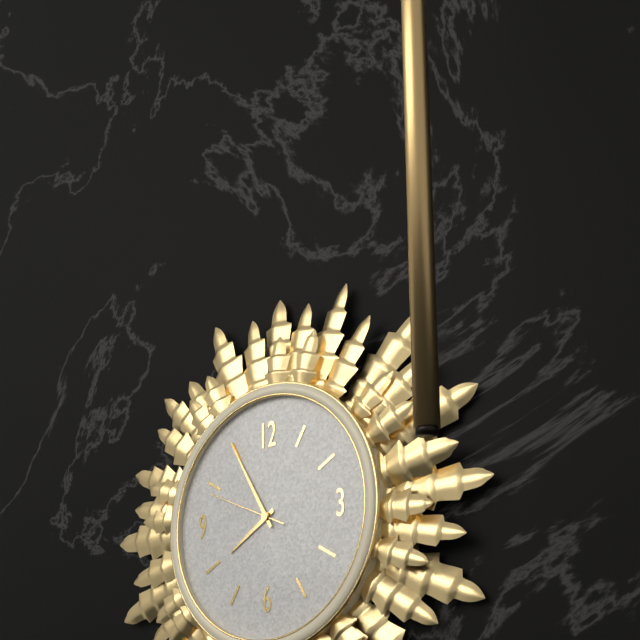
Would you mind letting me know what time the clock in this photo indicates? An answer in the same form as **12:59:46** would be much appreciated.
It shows **7:55:49**
